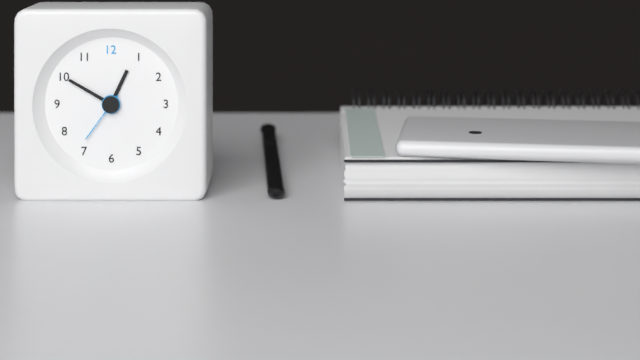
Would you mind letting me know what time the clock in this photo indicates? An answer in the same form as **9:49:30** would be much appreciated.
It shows **12:50:36**
